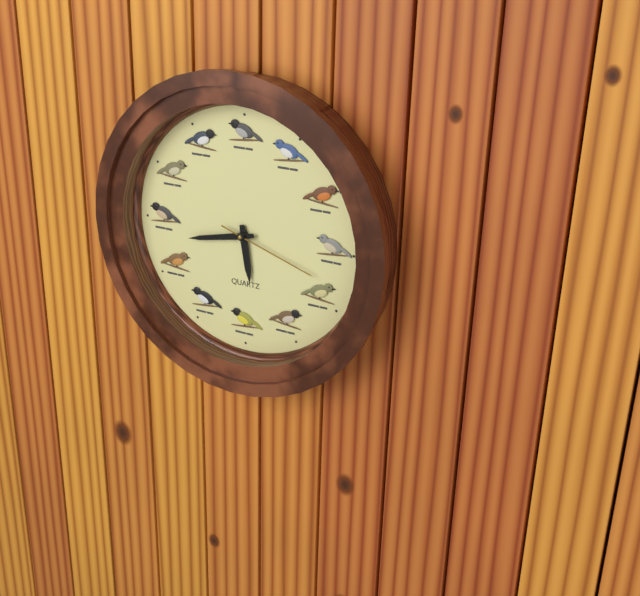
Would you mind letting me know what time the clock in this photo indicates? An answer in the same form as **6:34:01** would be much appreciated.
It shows **5:43:18**
